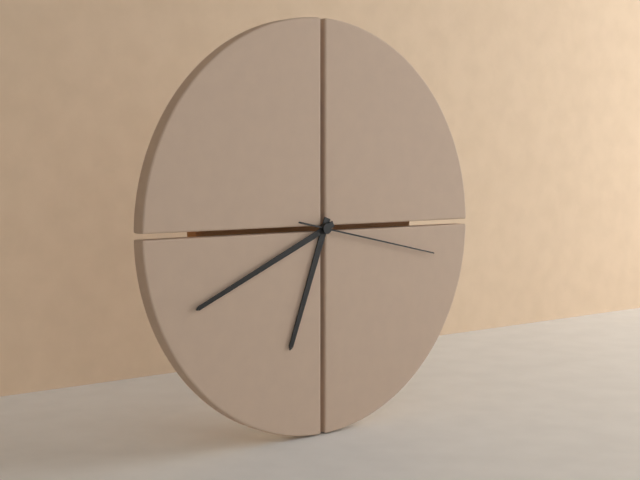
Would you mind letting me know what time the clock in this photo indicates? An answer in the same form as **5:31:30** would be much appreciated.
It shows **6:41:17**
